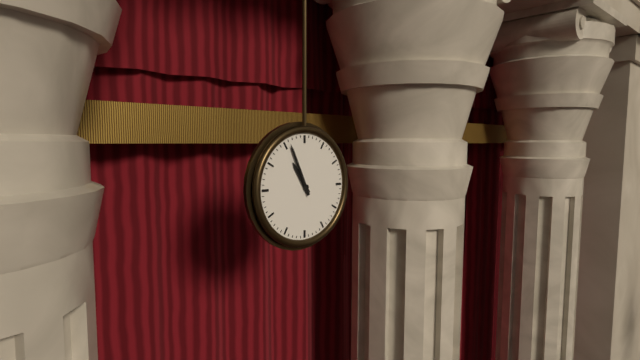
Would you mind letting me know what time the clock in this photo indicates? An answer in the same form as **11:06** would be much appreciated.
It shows **10:56**
